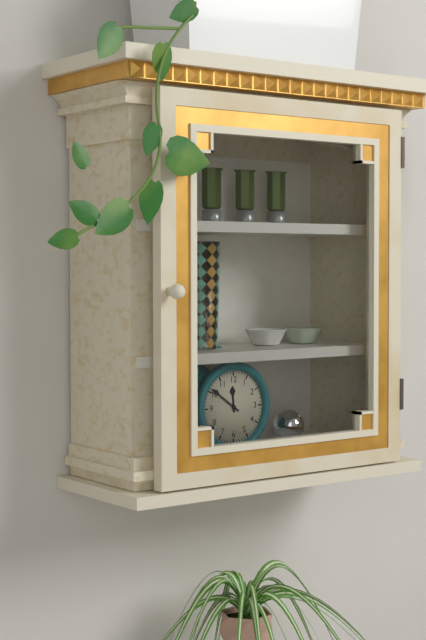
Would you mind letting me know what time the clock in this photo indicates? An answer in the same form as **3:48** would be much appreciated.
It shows **11:51**
